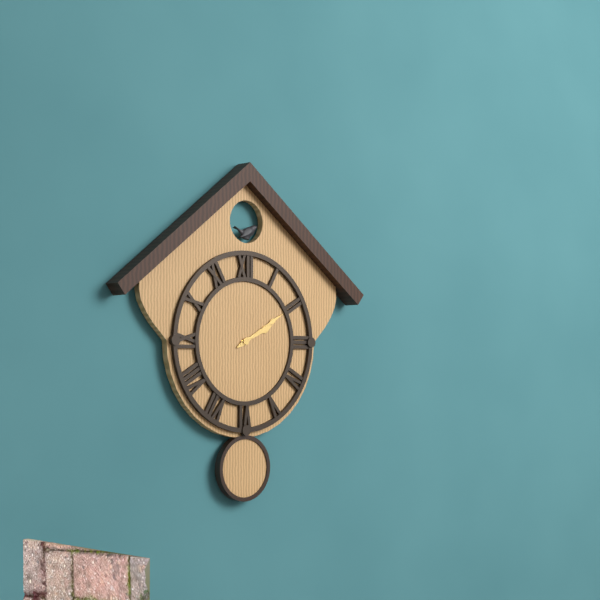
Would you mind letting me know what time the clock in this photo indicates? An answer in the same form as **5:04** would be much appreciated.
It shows **2:10**
